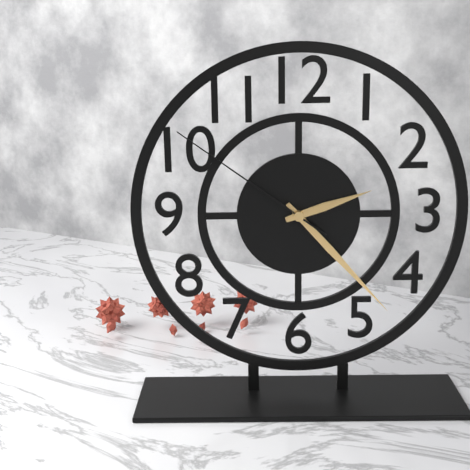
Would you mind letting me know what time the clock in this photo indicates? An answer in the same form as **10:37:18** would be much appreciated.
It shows **2:23:51**
